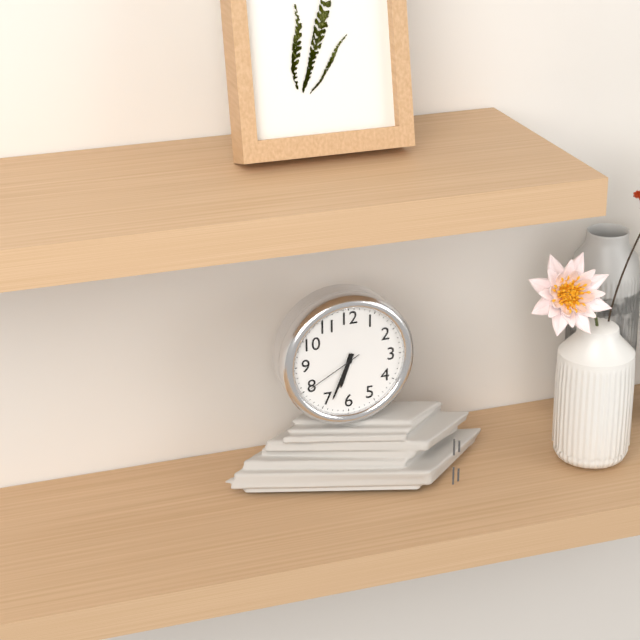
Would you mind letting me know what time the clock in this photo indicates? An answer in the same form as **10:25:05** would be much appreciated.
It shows **6:34:40**
